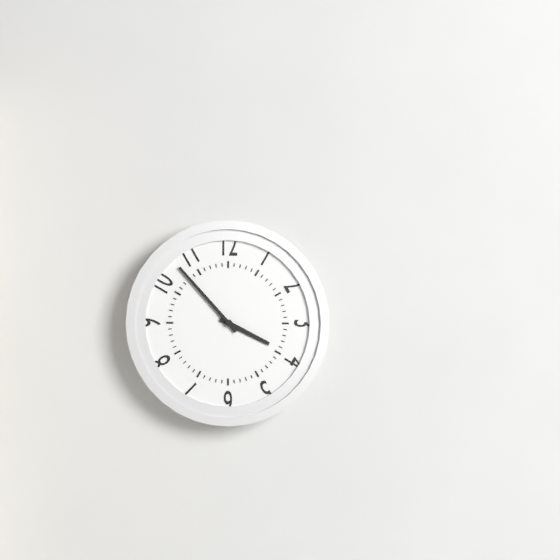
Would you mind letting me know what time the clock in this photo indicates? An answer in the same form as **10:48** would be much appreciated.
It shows **3:53**
